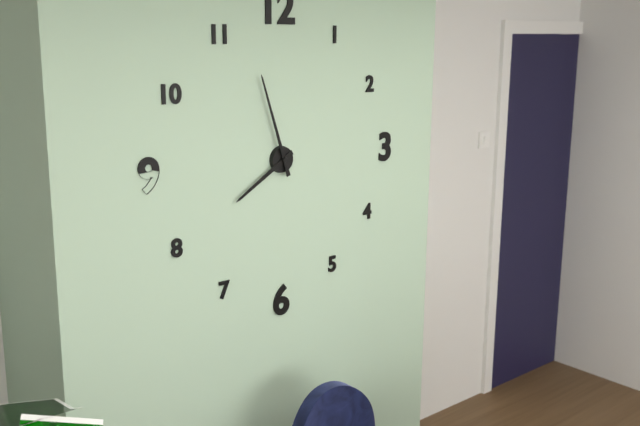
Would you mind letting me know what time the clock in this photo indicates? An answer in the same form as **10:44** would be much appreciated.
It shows **7:57**
